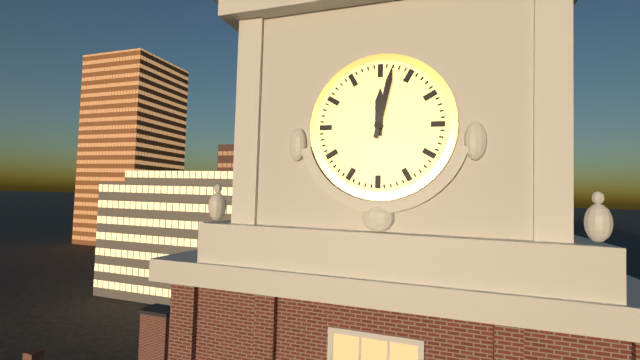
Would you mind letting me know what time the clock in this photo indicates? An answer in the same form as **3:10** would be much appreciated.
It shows **12:02**
